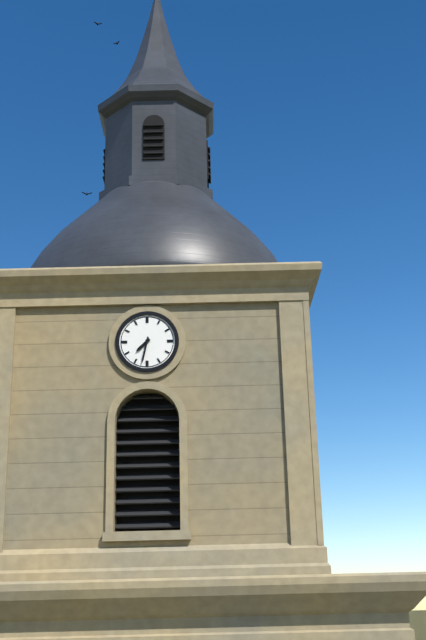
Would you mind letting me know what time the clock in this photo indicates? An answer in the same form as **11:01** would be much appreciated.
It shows **7:32**
